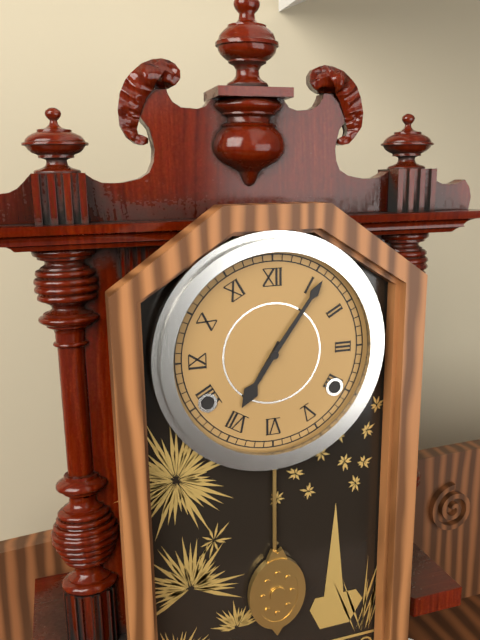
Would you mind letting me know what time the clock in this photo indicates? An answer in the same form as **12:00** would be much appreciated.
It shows **7:06**
